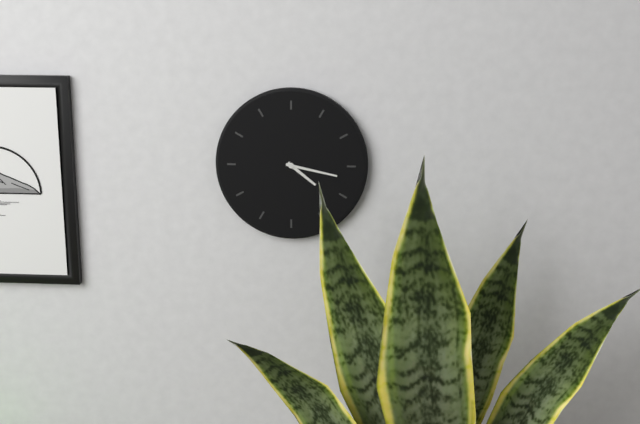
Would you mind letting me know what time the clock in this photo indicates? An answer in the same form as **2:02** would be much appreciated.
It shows **4:17**
